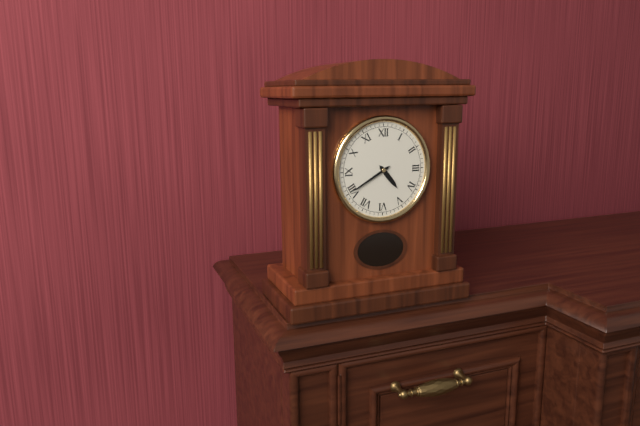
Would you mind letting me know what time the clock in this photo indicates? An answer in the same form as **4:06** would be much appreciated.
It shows **4:40**
